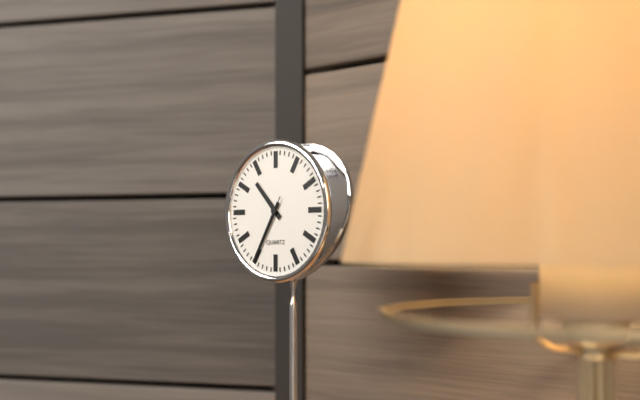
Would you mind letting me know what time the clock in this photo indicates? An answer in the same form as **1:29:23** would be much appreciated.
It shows **10:35:35**
